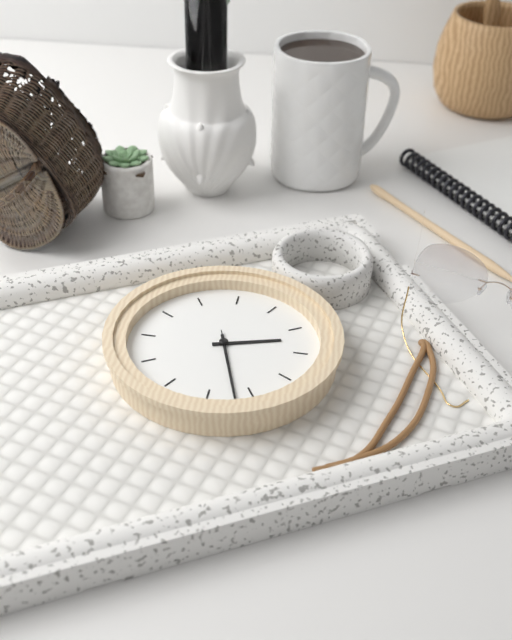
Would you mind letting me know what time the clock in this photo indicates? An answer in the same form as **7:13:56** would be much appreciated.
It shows **2:27:27**
